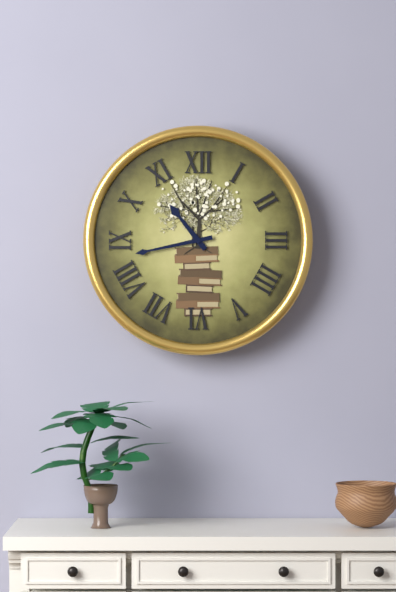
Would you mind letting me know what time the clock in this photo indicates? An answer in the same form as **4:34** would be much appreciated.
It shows **10:43**
